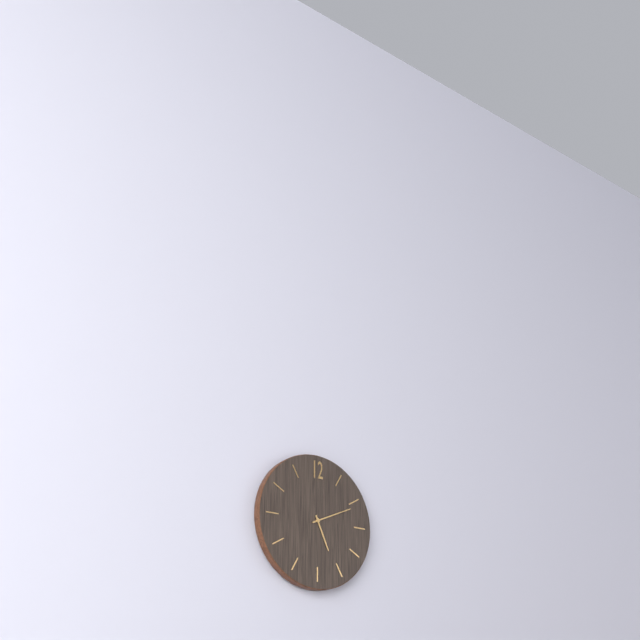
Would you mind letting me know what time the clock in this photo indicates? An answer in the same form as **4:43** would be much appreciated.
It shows **5:11**
